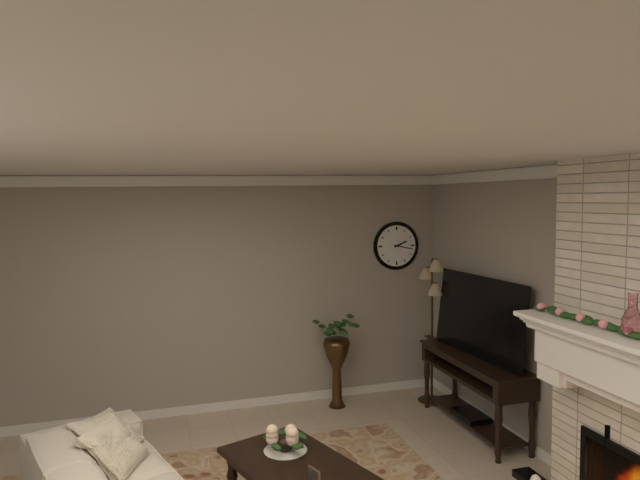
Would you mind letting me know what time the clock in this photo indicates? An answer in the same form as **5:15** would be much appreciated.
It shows **2:17**
